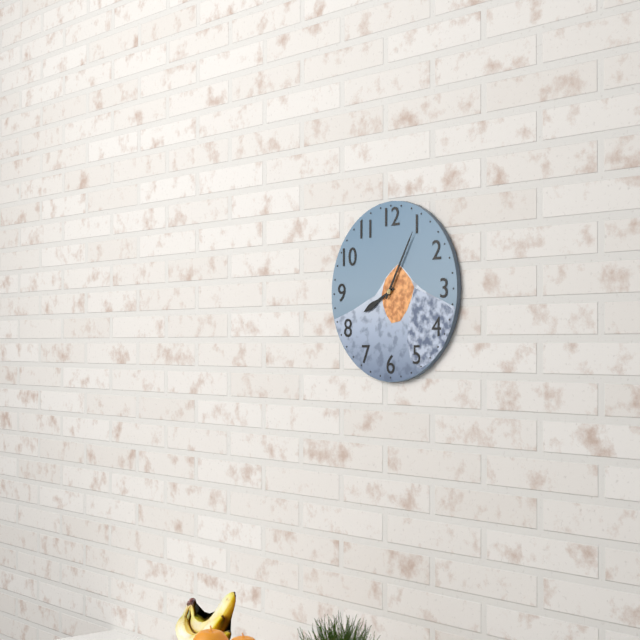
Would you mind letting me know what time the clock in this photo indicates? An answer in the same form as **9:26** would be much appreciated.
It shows **8:05**
